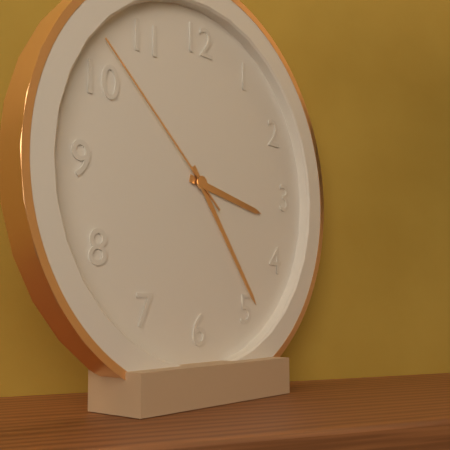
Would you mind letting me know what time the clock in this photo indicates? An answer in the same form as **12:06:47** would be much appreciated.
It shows **3:24:52**
